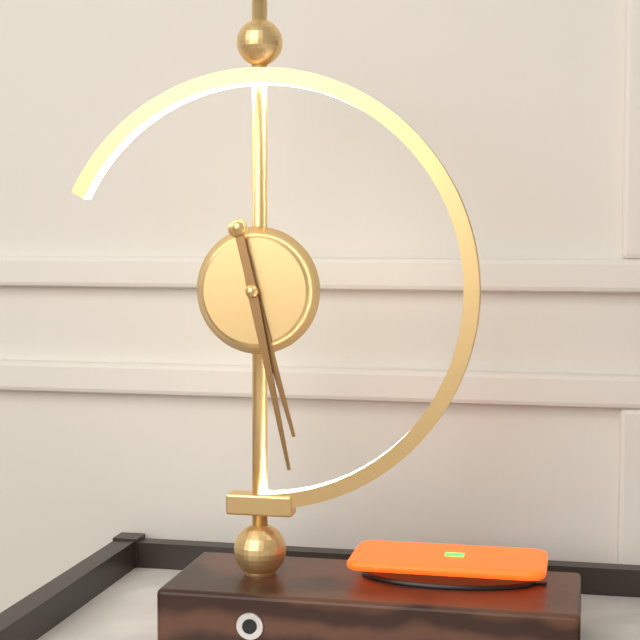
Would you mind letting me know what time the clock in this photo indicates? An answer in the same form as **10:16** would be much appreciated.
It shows **5:28**
